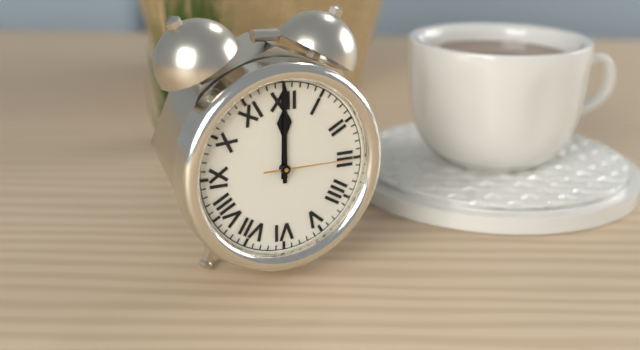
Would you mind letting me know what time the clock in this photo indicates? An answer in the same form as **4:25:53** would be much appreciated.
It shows **12:00:15**
